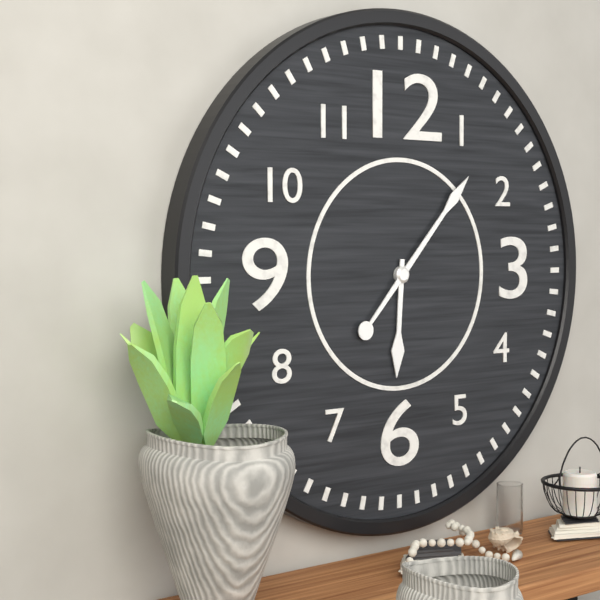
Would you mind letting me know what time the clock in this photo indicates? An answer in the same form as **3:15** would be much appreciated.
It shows **6:07**
